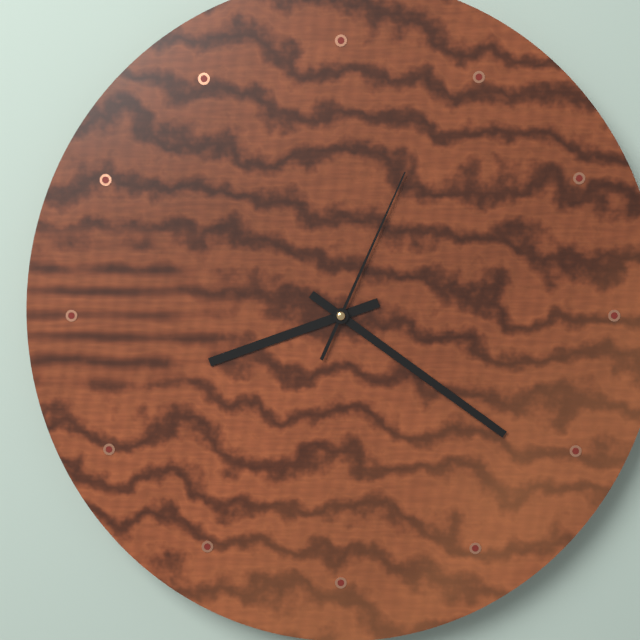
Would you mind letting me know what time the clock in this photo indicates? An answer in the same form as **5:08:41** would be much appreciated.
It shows **8:21:04**
